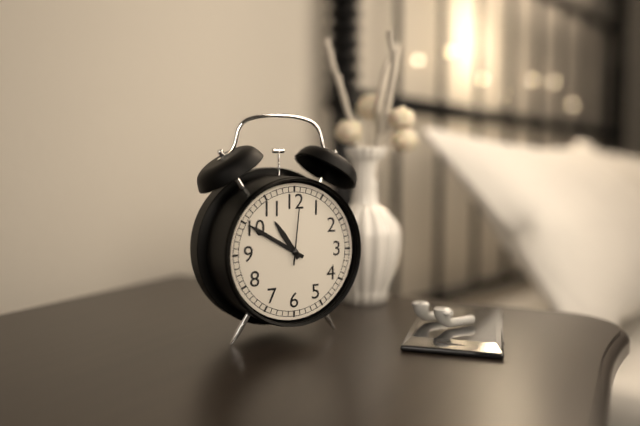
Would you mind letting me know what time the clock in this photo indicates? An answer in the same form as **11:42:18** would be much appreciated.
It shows **10:50:01**
